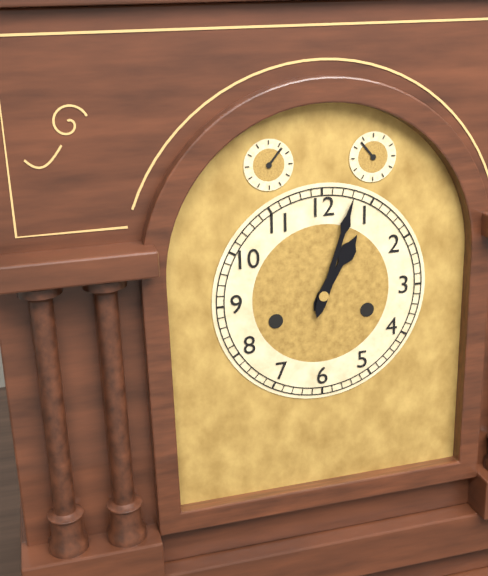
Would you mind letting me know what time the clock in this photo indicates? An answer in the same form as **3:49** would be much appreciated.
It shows **1:03**
